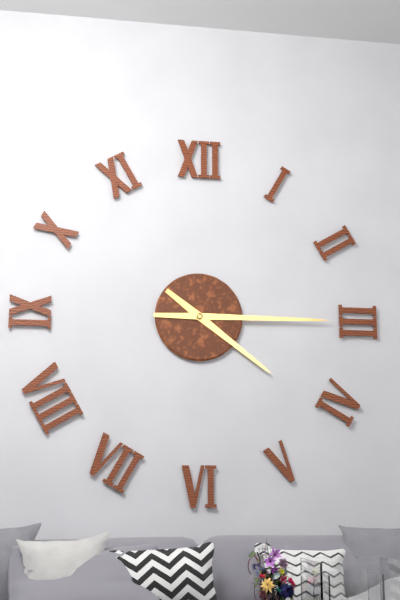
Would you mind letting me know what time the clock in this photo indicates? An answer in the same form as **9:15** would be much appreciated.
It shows **4:15**
